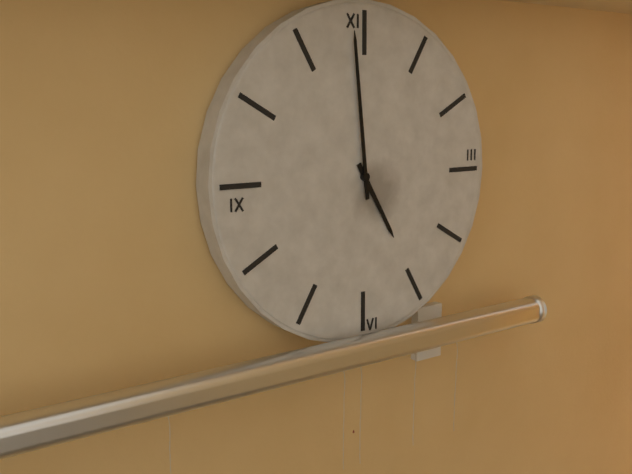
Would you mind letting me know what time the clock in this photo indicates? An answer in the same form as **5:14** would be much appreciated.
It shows **4:59**
